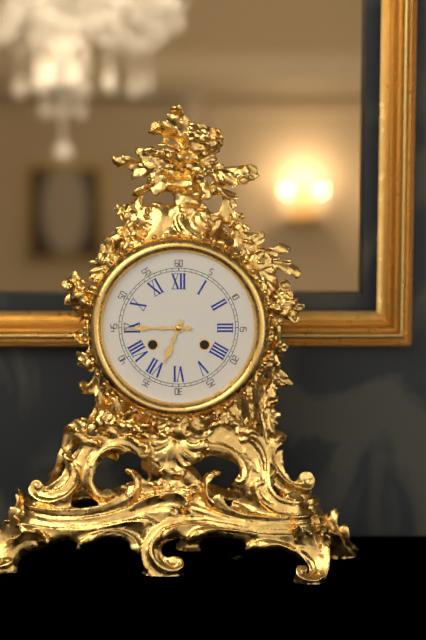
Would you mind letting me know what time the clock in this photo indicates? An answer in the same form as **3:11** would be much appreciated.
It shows **6:45**
